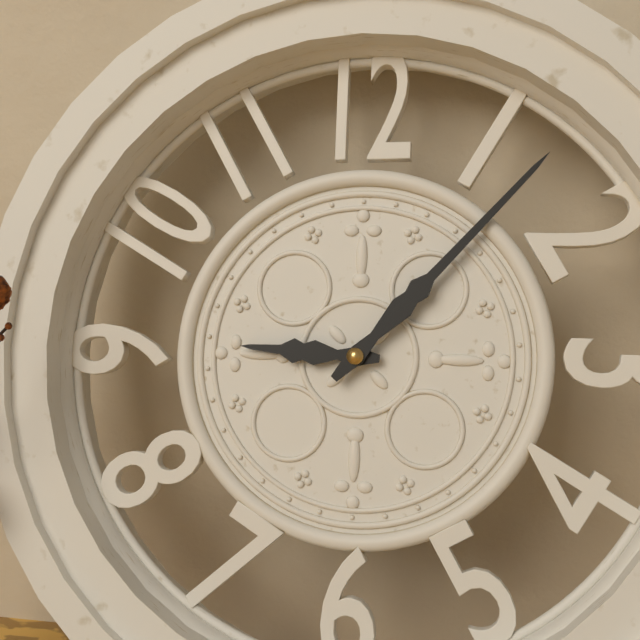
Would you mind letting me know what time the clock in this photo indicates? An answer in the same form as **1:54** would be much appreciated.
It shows **9:07**
